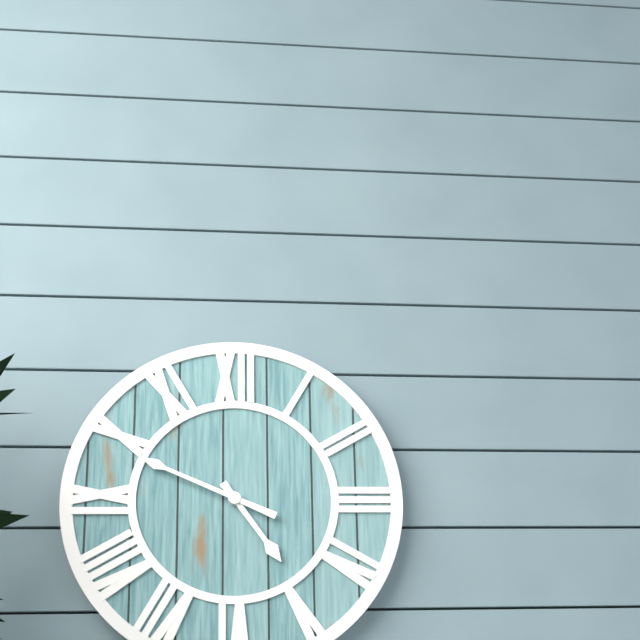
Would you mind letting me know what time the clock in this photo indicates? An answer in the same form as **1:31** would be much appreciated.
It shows **4:49**
